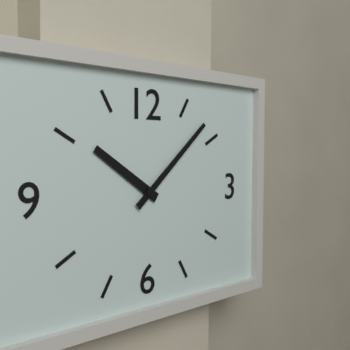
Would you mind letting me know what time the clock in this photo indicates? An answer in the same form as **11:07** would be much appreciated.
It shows **10:08**
